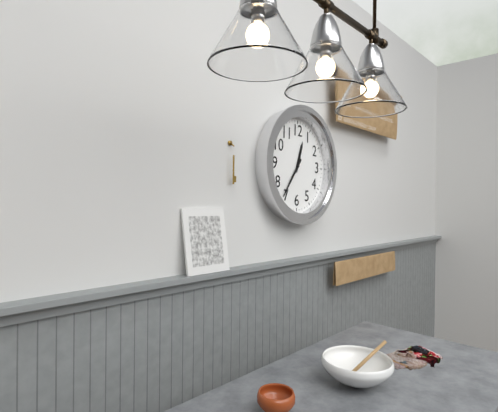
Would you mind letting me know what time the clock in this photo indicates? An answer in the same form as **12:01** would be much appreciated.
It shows **12:36**
